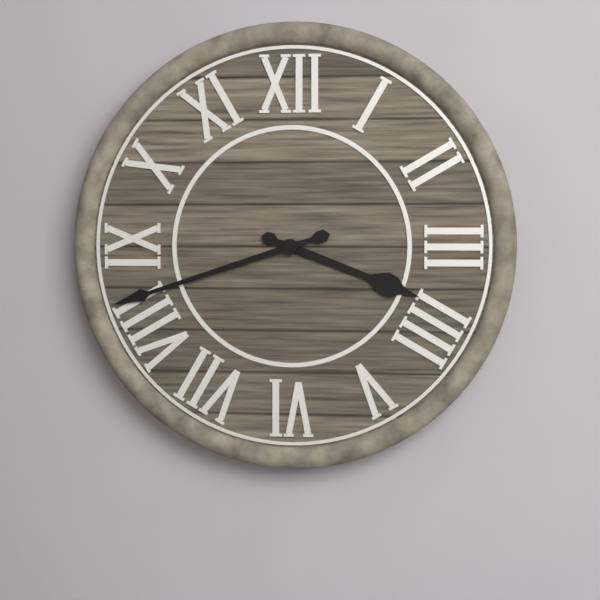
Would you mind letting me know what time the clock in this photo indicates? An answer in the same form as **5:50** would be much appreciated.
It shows **3:42**
